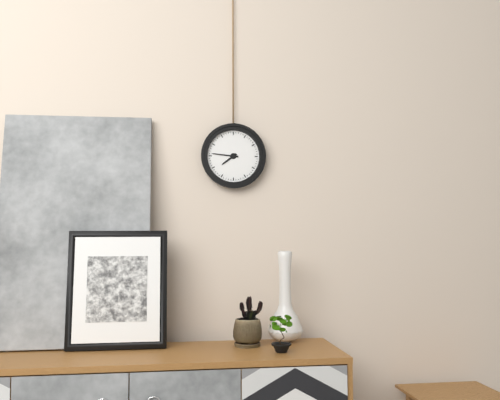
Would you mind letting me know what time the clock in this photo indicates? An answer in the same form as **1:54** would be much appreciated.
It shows **7:46**
